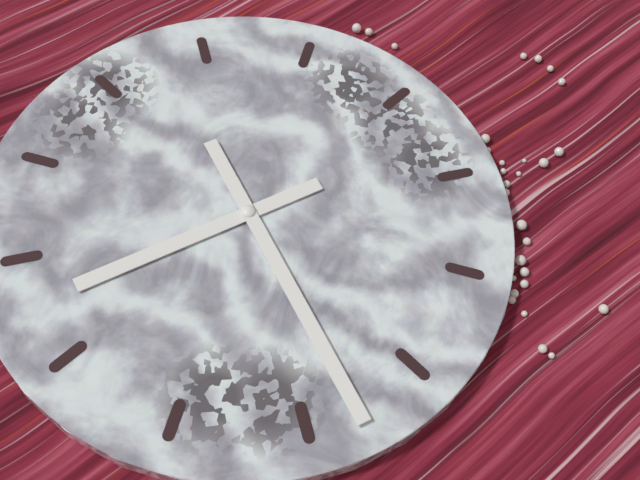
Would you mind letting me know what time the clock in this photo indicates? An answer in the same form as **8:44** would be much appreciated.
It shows **9:33**
